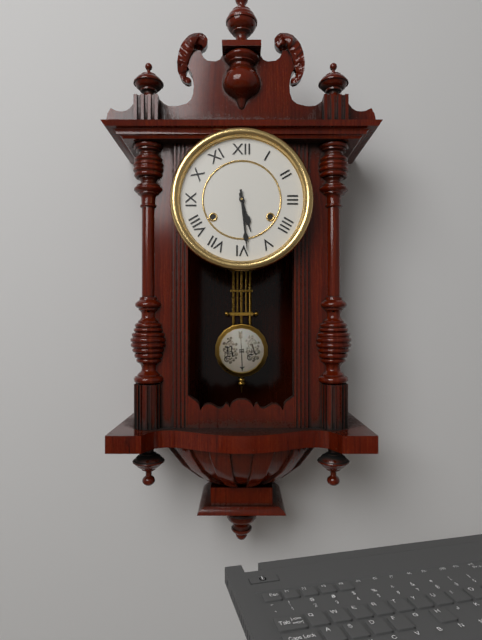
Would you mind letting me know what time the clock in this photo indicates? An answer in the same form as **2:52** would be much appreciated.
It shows **5:29**
